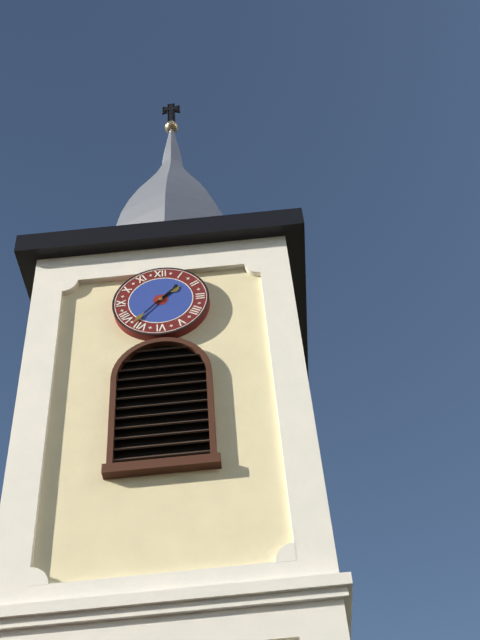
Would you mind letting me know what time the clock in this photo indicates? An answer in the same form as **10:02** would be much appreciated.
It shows **1:37**
